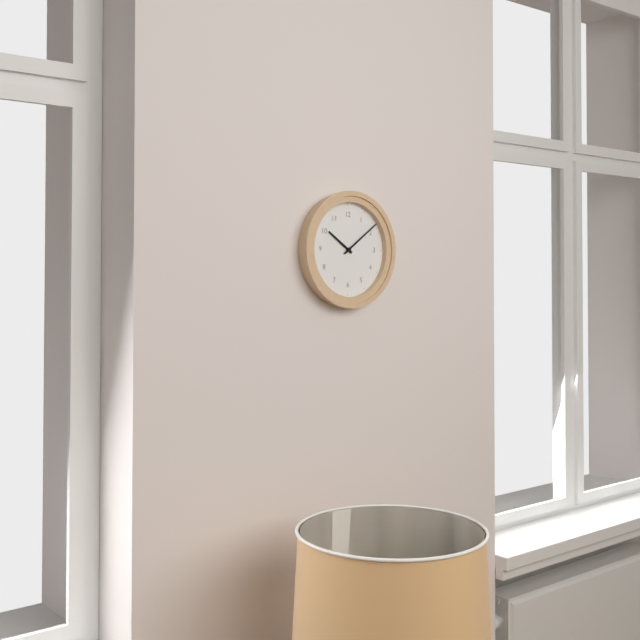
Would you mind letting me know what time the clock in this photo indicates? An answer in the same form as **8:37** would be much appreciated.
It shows **10:09**
